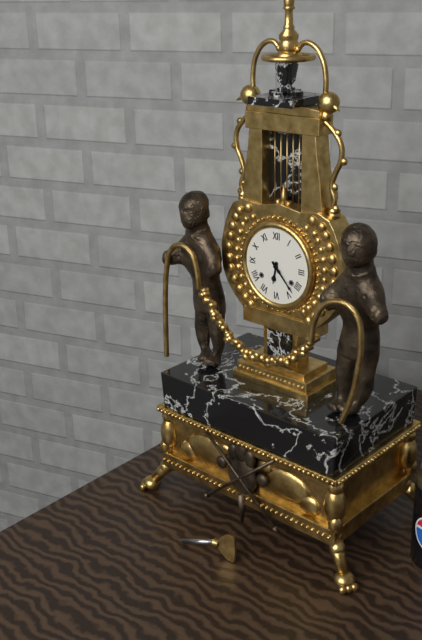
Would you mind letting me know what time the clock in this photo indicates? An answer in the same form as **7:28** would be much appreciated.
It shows **6:23**
